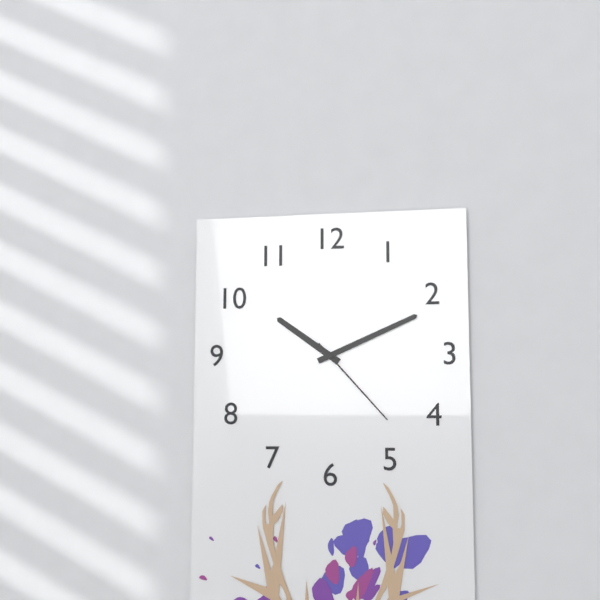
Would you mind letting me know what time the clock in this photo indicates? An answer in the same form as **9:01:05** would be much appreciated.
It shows **10:11:23**
